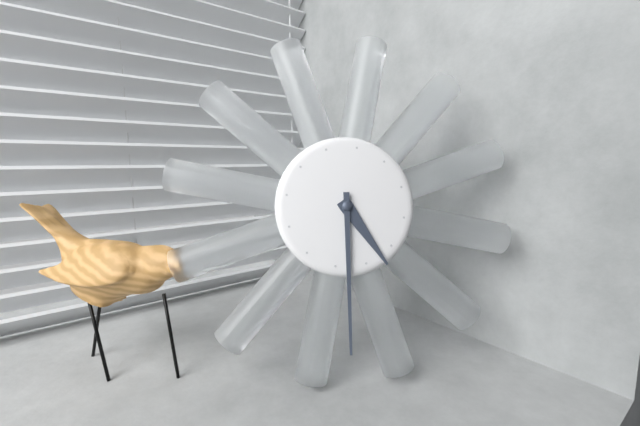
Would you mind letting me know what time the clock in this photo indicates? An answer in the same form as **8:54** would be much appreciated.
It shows **4:28**
